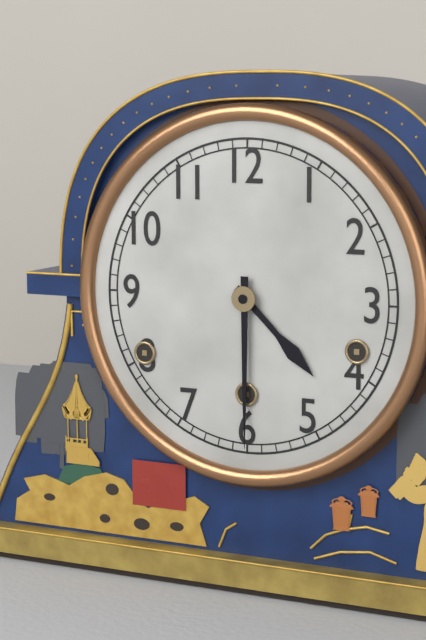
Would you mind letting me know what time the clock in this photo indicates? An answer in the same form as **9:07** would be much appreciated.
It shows **4:30**
